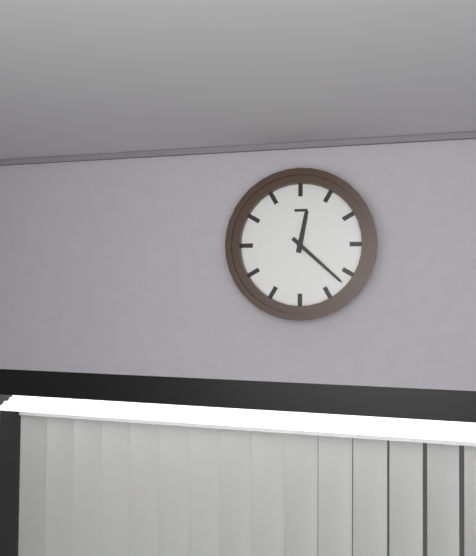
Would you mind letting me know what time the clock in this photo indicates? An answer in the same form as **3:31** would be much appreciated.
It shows **12:22**
